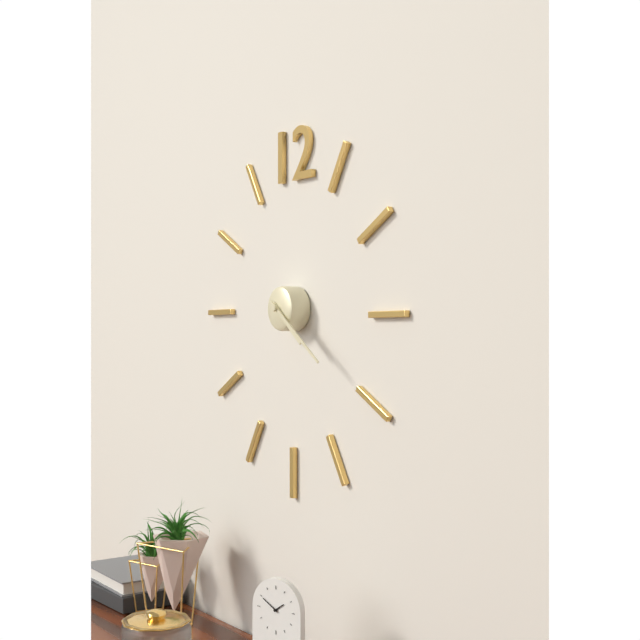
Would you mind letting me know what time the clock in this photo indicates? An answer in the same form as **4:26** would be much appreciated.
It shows **4:21**
